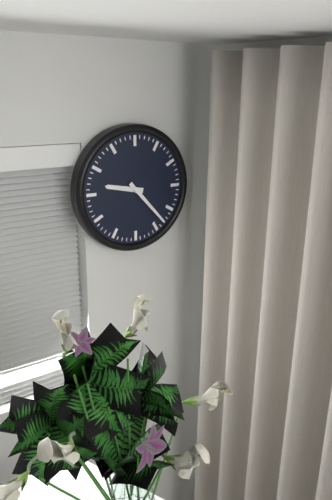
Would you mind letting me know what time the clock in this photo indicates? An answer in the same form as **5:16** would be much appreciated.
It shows **9:23**
